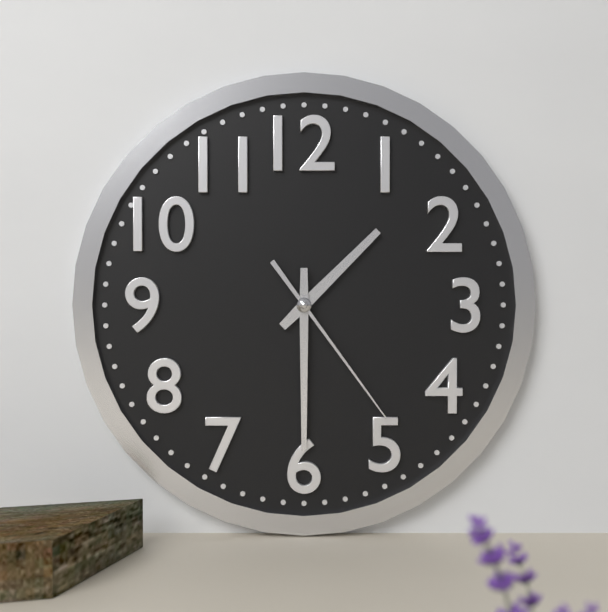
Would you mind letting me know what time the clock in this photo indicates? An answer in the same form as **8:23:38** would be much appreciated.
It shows **1:30:24**
